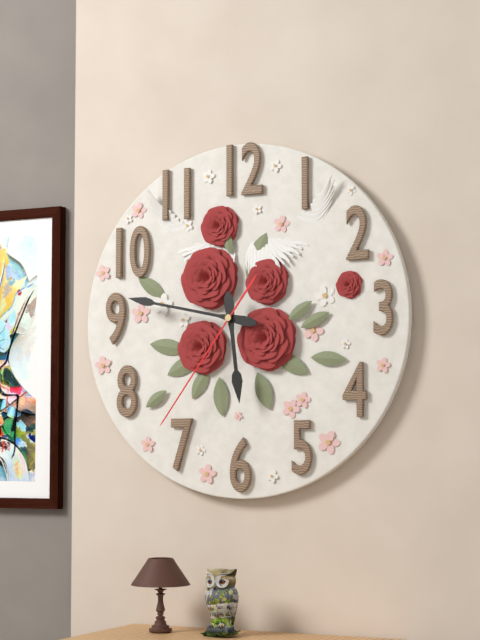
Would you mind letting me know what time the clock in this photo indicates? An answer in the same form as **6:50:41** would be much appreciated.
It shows **5:47:36**
